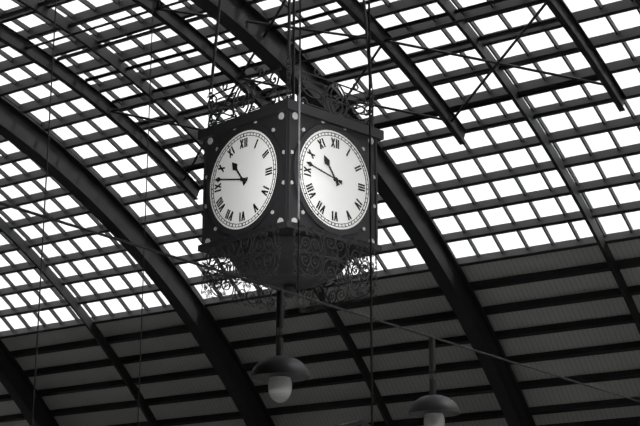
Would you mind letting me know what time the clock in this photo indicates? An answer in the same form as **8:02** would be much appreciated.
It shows **10:47**
